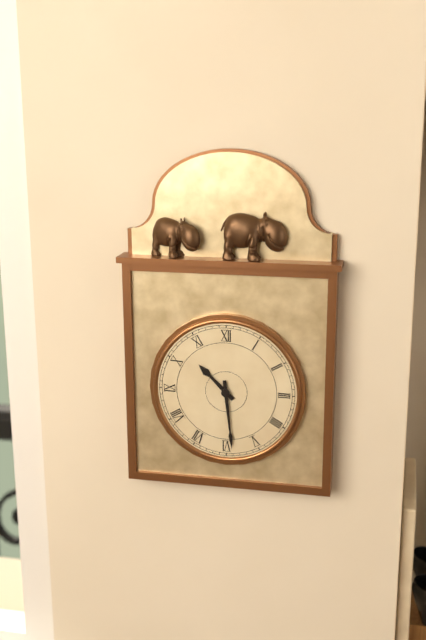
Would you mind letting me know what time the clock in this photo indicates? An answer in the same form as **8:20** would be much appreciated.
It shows **10:29**
